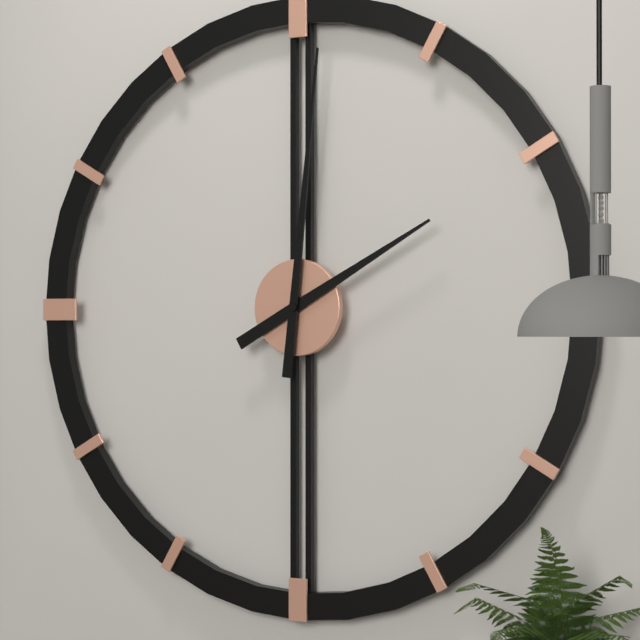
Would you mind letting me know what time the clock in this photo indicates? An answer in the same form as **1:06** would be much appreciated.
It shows **2:01**
